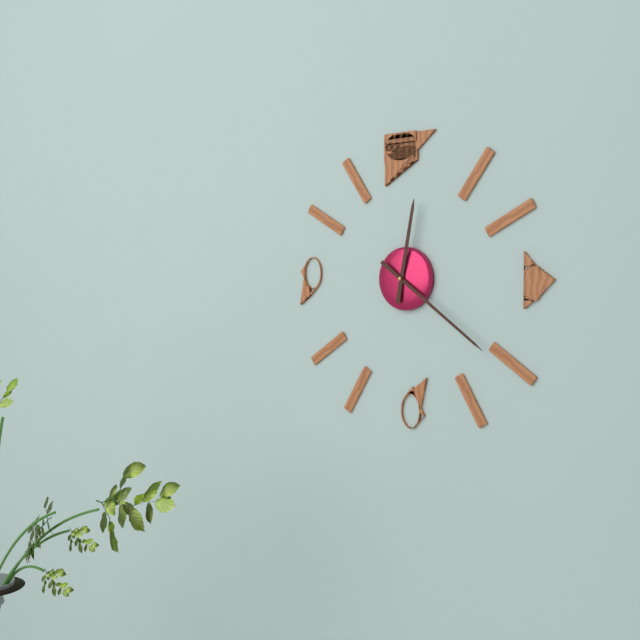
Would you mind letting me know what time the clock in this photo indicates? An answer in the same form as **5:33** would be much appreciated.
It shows **12:21**
